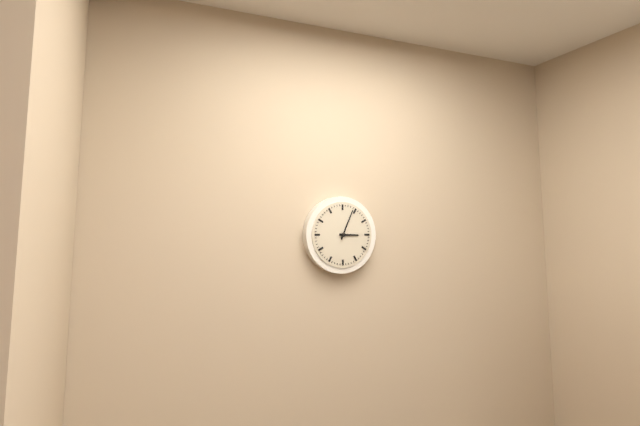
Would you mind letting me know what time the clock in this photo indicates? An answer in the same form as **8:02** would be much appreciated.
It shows **3:04**
